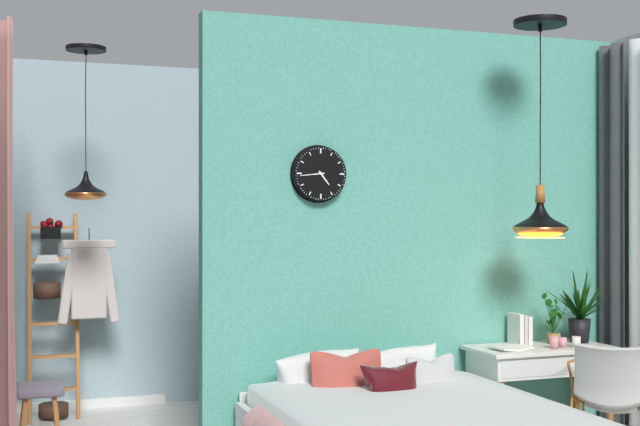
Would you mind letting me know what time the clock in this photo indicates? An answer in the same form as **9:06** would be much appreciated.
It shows **4:44**
